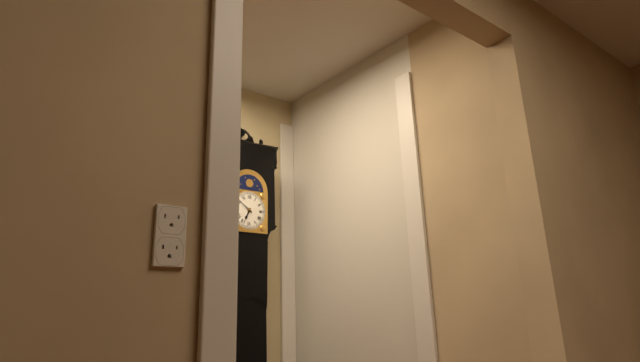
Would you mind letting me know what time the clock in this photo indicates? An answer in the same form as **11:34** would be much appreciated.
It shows **6:51**
